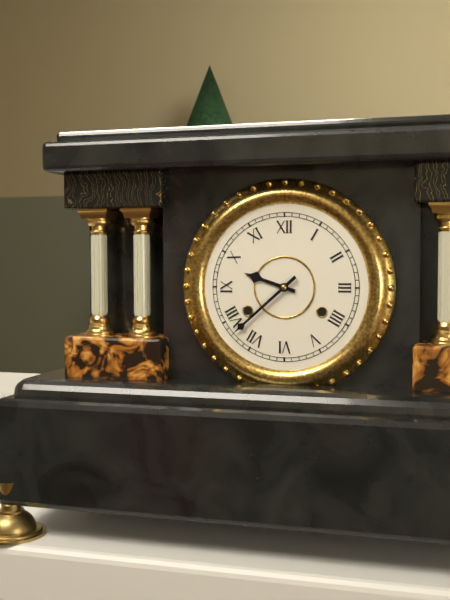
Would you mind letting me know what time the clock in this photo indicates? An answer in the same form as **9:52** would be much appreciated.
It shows **9:38**
